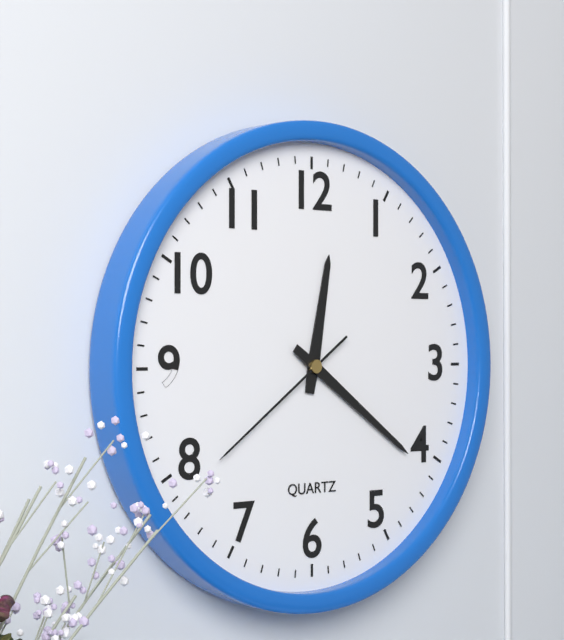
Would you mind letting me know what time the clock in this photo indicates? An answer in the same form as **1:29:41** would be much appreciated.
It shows **12:21:39**
